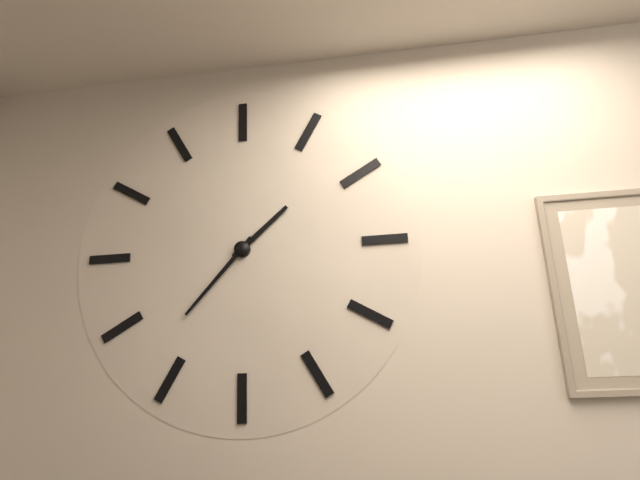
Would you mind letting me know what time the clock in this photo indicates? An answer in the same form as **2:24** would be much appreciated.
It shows **1:37**
